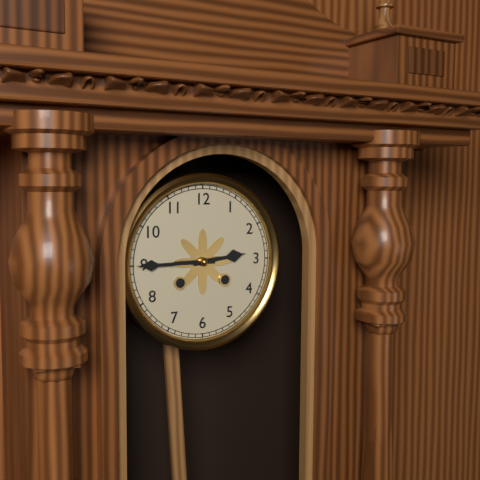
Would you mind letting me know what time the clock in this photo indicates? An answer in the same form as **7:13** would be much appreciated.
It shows **2:45**
